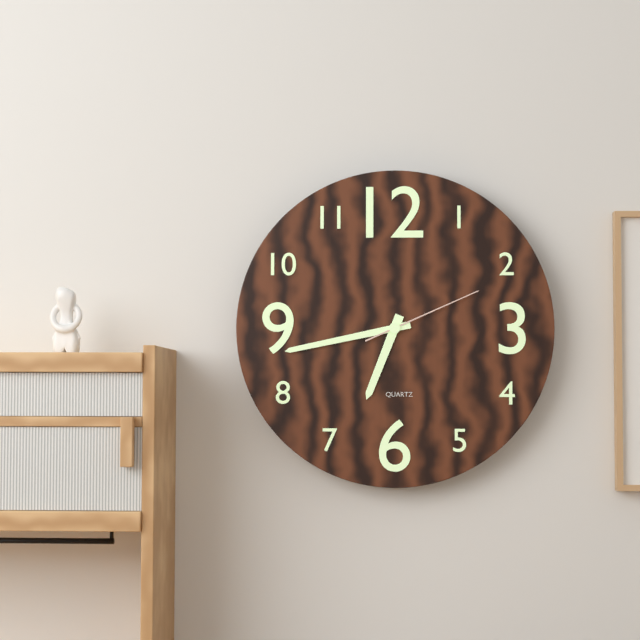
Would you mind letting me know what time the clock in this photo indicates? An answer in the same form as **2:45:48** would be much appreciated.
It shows **6:43:11**
